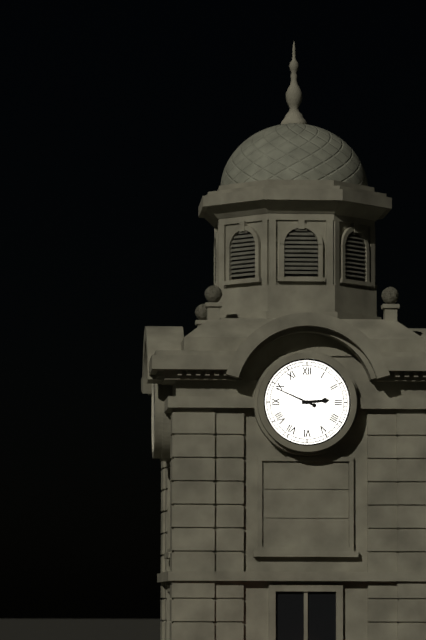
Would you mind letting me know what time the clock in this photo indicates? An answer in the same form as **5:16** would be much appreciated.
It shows **2:49**
